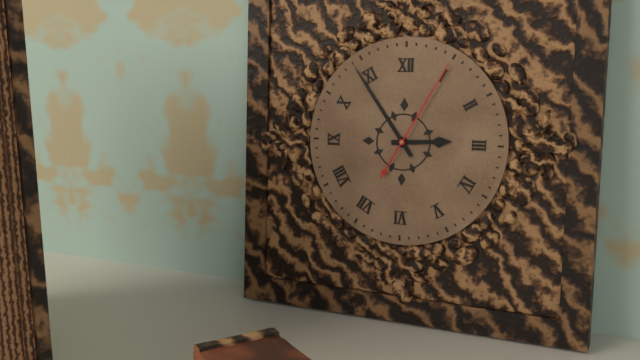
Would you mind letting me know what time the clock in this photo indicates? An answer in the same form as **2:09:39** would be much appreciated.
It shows **2:54:05**
